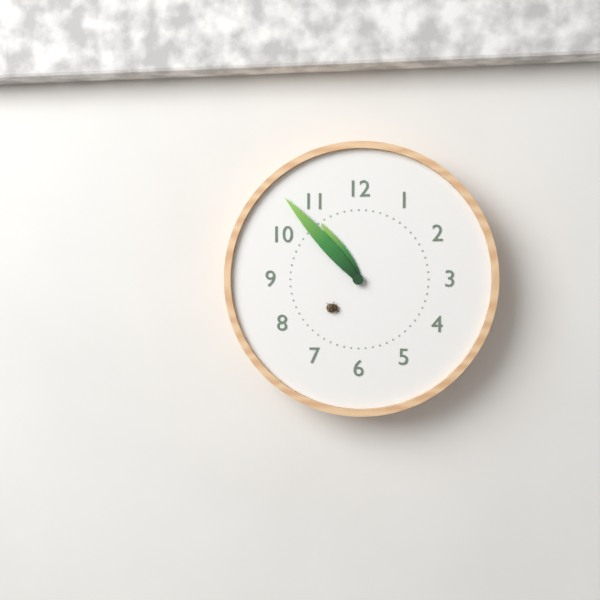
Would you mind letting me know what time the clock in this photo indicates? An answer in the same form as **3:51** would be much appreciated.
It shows **10:53**
